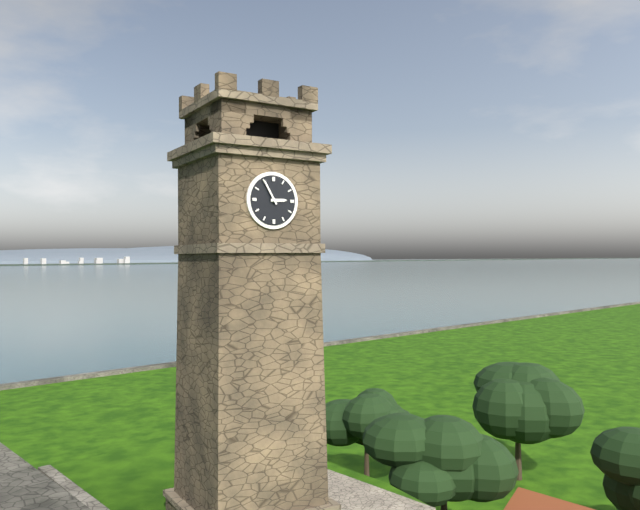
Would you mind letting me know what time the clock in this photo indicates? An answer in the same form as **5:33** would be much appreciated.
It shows **2:55**
